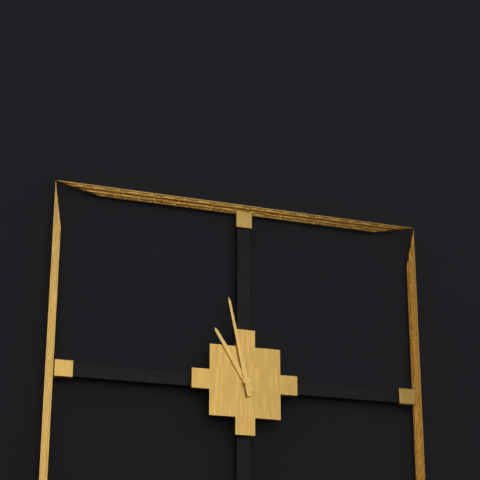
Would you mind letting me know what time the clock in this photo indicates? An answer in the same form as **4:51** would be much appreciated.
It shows **10:58**
